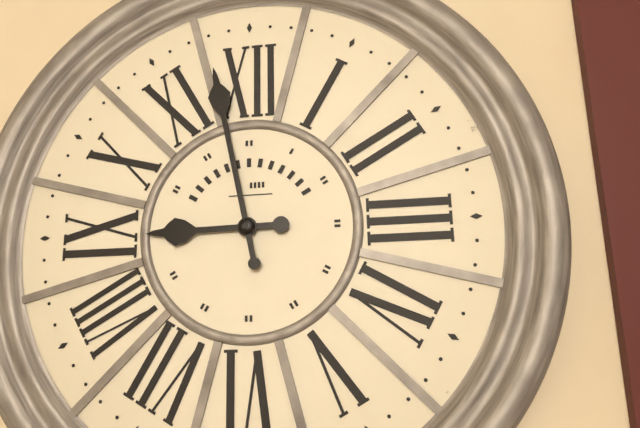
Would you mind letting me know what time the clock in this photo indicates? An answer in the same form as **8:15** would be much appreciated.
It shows **8:58**
